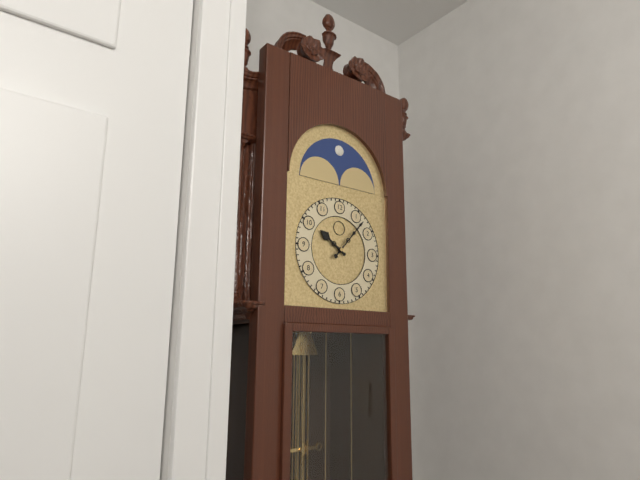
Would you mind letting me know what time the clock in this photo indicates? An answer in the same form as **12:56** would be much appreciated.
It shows **10:07**
